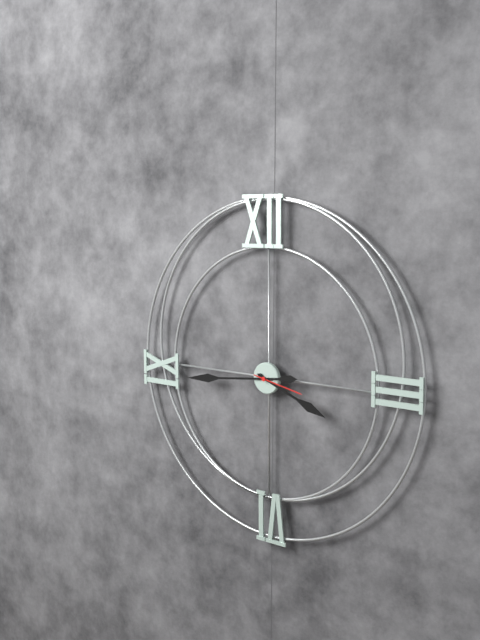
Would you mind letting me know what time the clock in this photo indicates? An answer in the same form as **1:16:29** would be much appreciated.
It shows **3:44:17**
